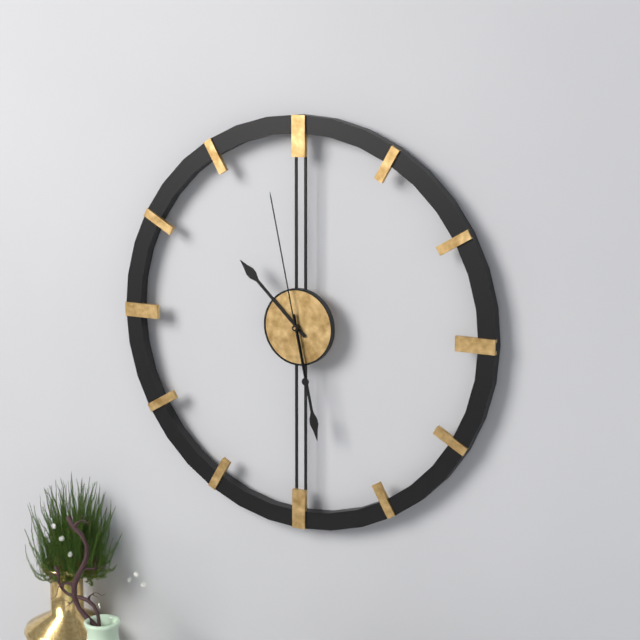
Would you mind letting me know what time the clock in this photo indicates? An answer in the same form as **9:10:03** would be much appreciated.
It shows **10:28:58**
